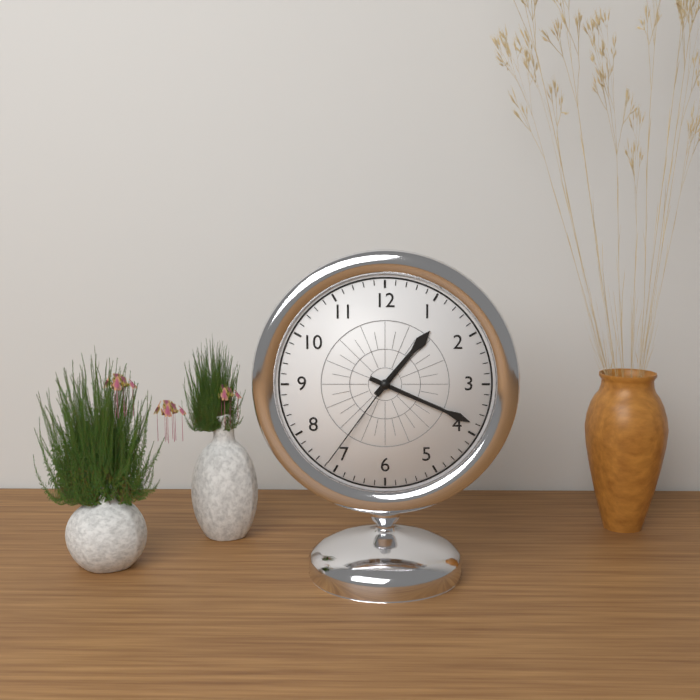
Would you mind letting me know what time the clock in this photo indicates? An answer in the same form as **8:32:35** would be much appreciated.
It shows **1:19:36**
